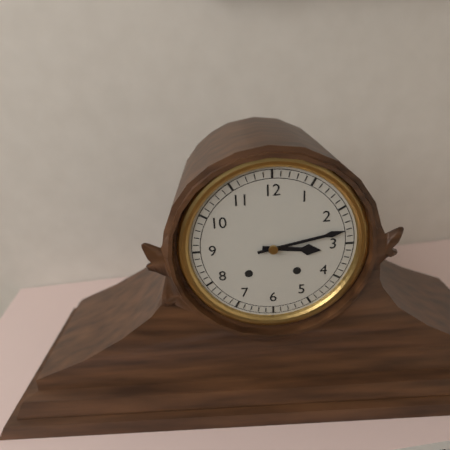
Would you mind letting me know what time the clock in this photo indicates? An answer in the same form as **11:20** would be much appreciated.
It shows **3:13**
